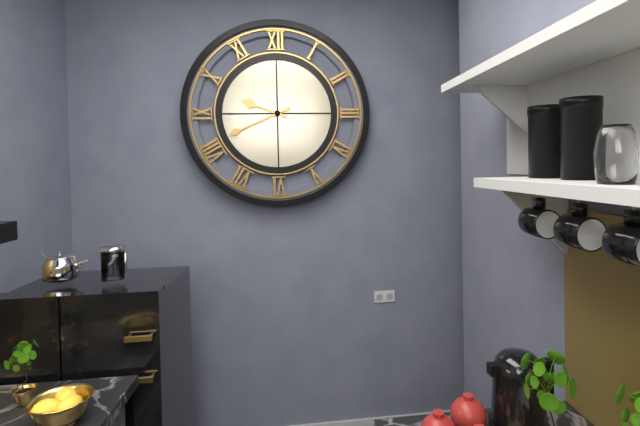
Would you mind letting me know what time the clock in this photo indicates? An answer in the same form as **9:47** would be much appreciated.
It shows **9:41**
